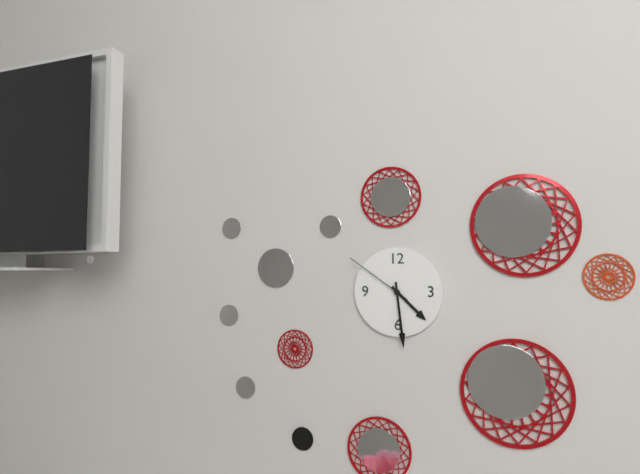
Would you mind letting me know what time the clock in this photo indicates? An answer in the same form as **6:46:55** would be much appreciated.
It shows **4:29:51**
